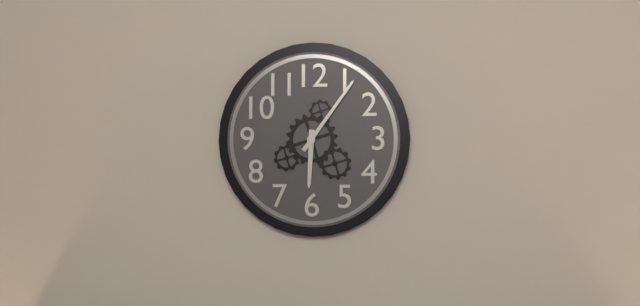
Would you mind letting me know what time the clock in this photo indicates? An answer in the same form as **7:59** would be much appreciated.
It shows **6:06**
